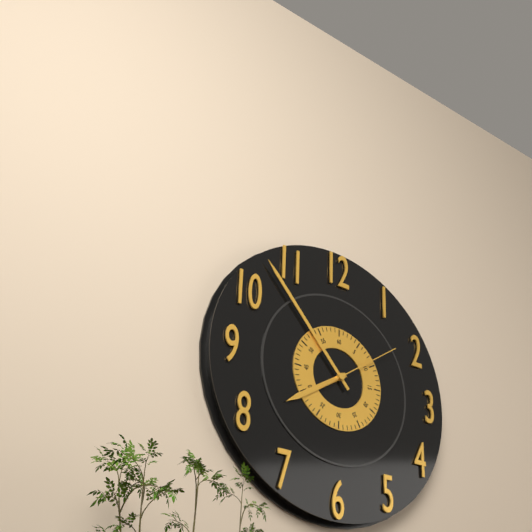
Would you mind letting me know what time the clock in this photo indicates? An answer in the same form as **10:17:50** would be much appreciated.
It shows **7:53:09**
